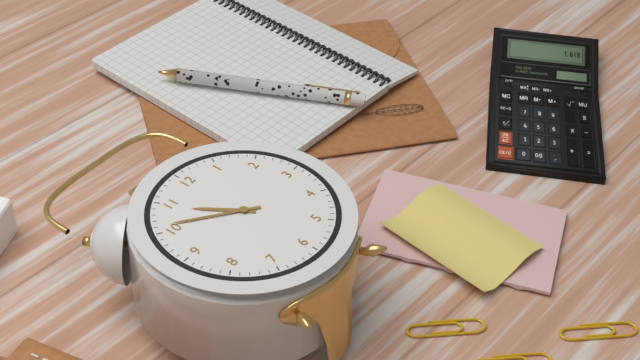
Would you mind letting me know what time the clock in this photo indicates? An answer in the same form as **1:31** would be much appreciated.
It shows **10:51**
